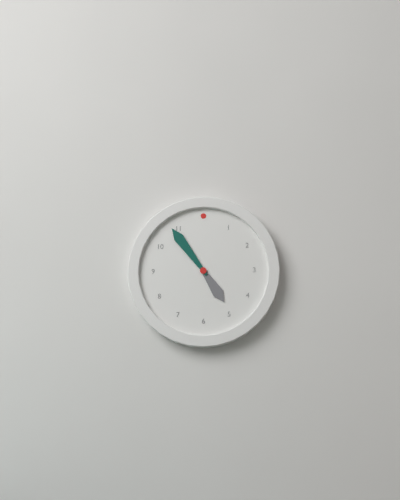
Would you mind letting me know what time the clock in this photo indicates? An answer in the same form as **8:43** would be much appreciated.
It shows **4:54**
